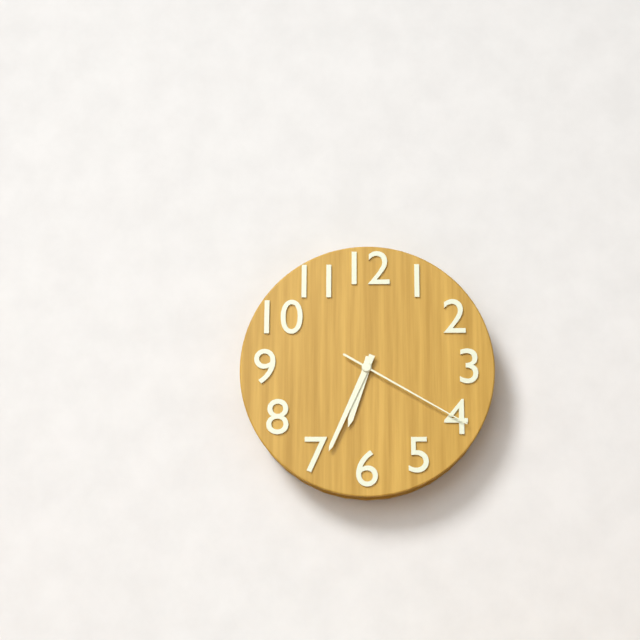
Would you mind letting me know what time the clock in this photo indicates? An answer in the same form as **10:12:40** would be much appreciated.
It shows **6:34:20**
